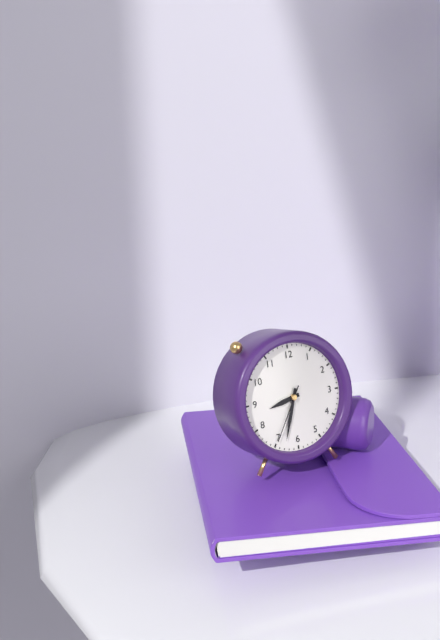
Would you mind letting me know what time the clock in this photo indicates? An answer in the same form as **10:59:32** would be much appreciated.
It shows **8:33:35**
